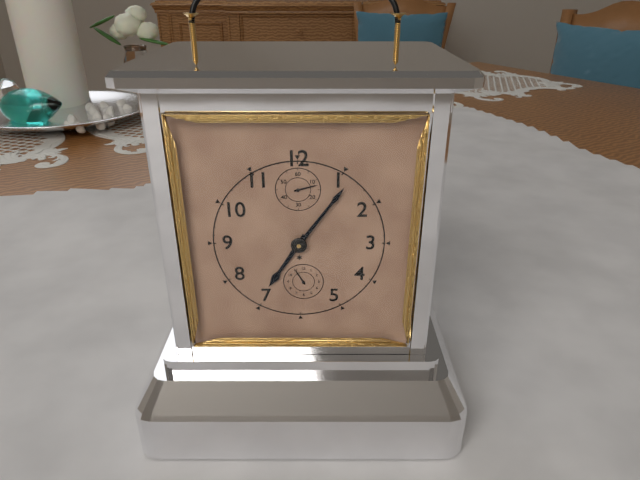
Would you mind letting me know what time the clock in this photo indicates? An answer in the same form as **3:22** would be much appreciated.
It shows **7:06**
